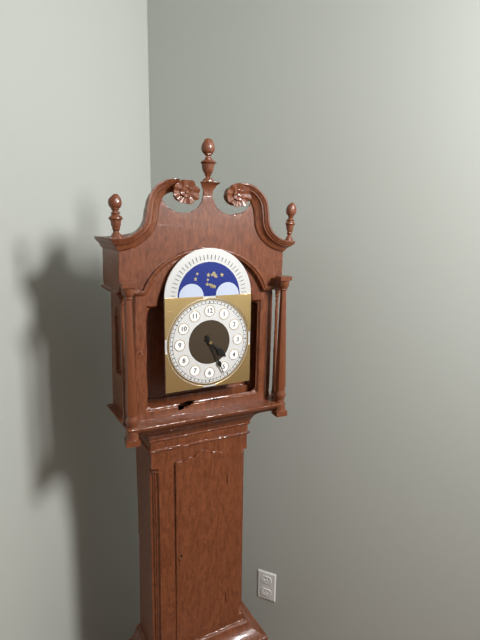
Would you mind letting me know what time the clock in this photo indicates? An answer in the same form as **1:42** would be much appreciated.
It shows **4:26**
